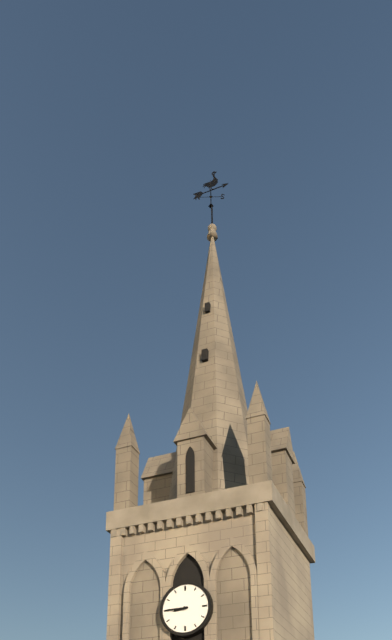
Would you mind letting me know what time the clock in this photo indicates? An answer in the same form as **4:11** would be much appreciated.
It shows **8:45**
